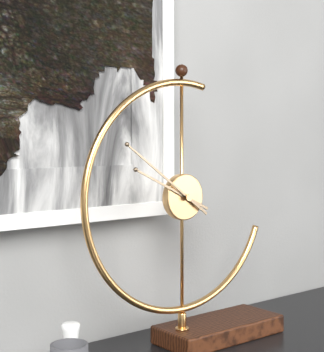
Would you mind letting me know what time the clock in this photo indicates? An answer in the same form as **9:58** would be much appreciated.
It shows **9:51**
